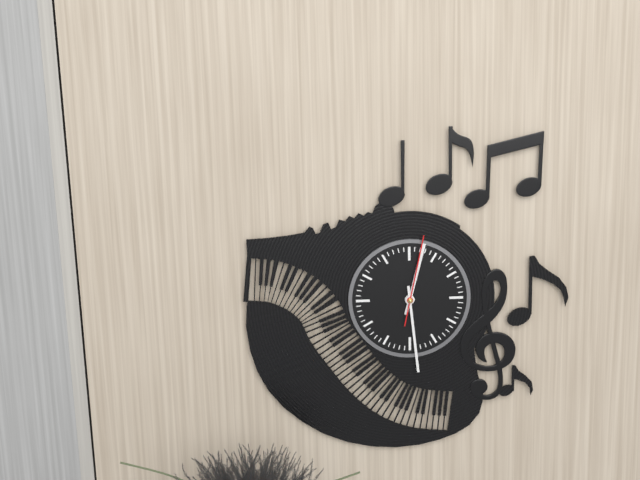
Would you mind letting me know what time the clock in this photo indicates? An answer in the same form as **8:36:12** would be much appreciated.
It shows **12:29:02**
